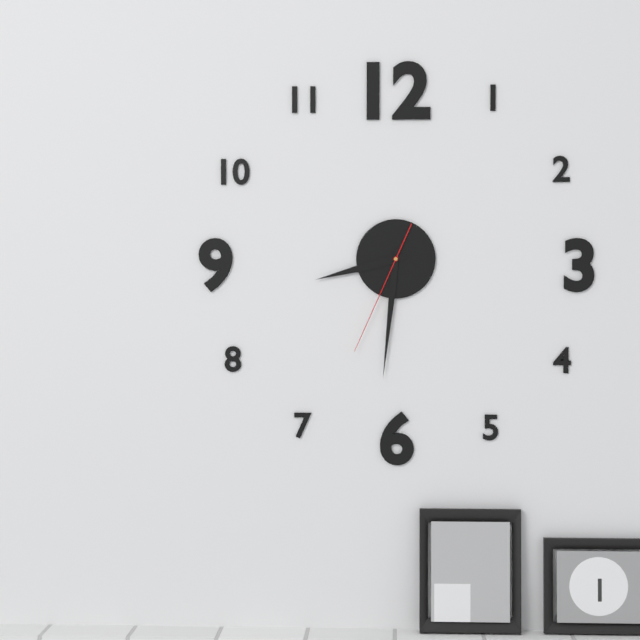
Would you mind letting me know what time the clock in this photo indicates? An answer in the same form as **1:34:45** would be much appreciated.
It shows **8:31:34**
